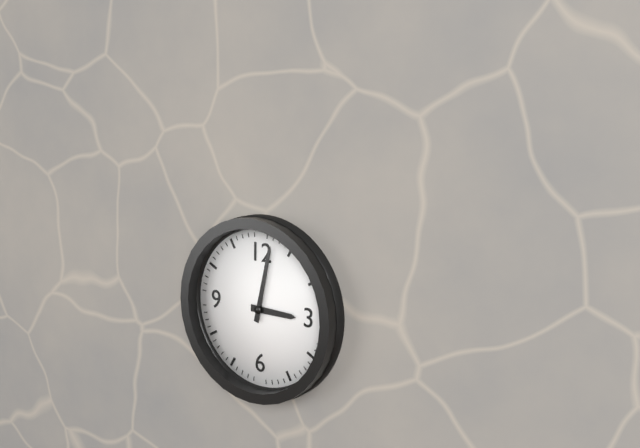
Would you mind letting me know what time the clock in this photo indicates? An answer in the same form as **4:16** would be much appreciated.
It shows **3:02**
